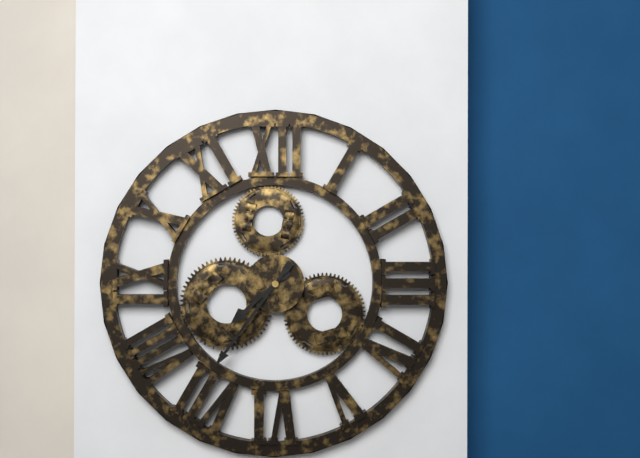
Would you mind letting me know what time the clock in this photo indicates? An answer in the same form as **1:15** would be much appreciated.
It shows **7:36**
